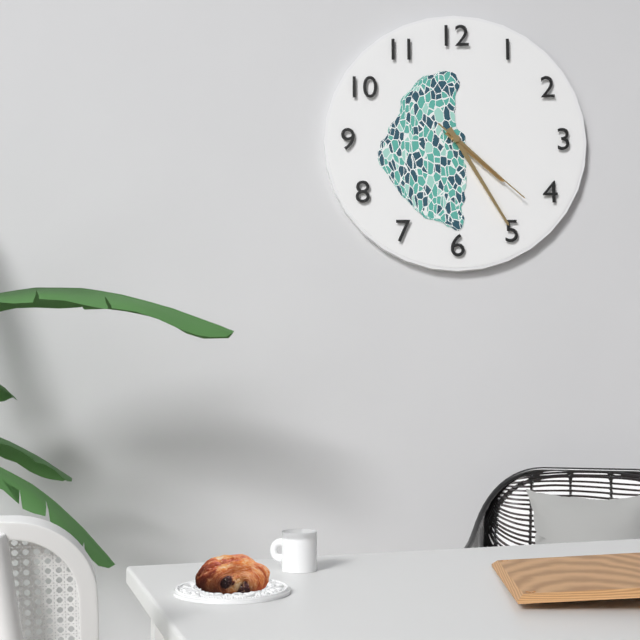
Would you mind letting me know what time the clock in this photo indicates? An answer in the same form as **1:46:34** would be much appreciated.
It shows **4:25:22**
